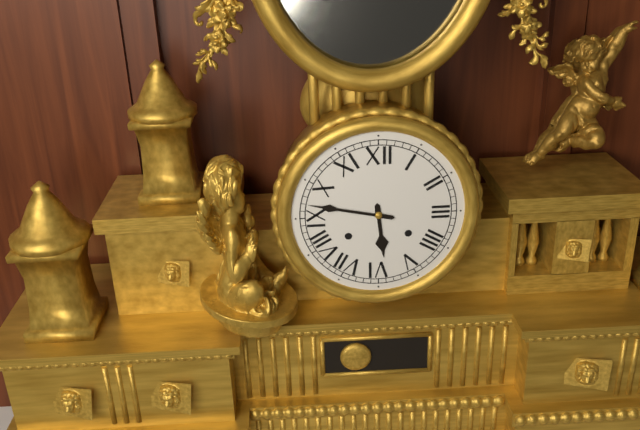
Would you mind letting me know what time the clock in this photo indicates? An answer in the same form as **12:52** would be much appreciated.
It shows **5:47**
